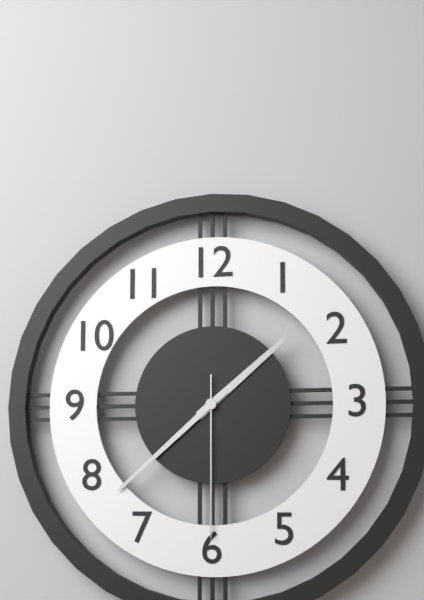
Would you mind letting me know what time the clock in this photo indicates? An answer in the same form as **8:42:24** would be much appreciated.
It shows **1:38:30**
